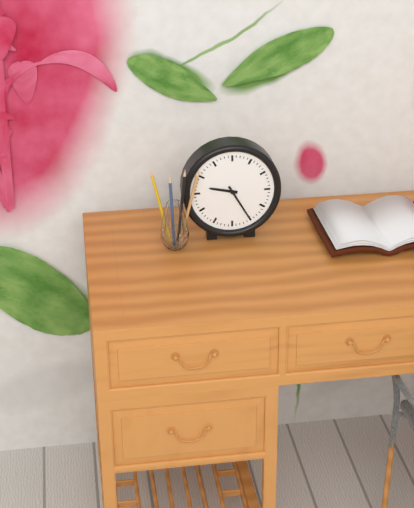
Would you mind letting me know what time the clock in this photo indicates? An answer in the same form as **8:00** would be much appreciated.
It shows **9:25**
